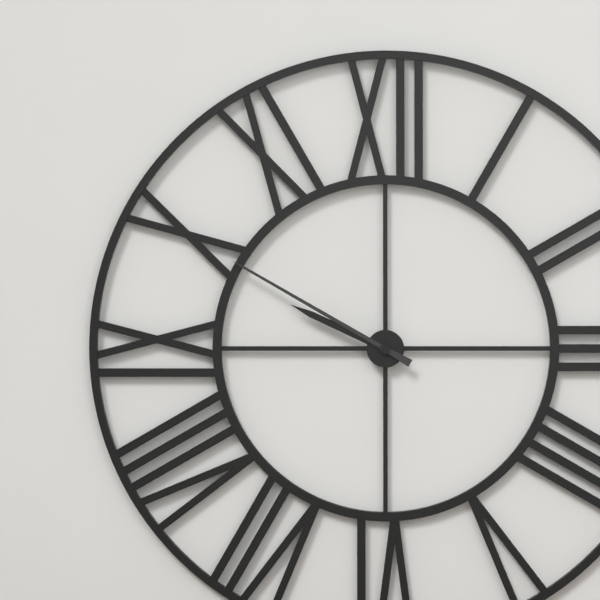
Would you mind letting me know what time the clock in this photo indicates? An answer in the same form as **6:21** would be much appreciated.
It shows **9:50**
